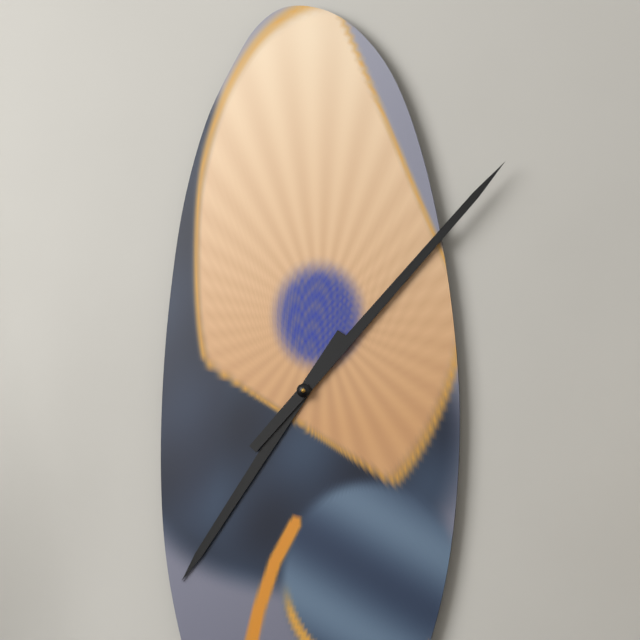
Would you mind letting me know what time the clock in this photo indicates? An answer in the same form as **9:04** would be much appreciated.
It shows **7:07**
